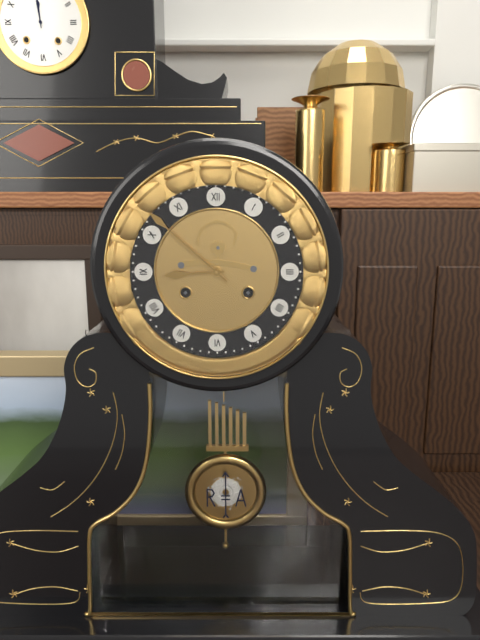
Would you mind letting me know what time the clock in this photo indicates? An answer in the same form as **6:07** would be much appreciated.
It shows **8:52**
